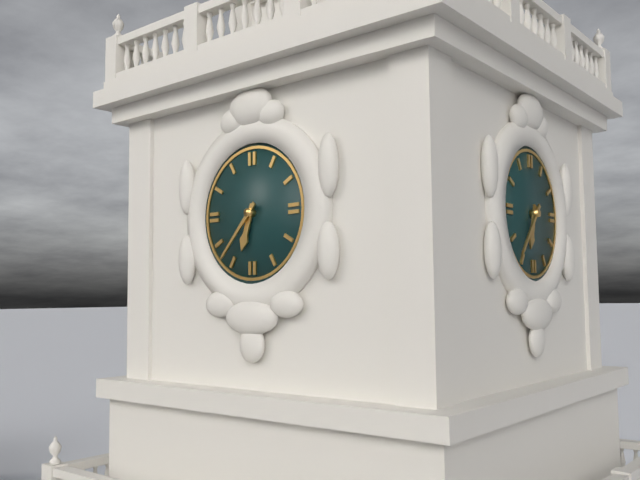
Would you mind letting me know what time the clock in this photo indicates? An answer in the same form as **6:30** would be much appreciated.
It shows **6:37**
